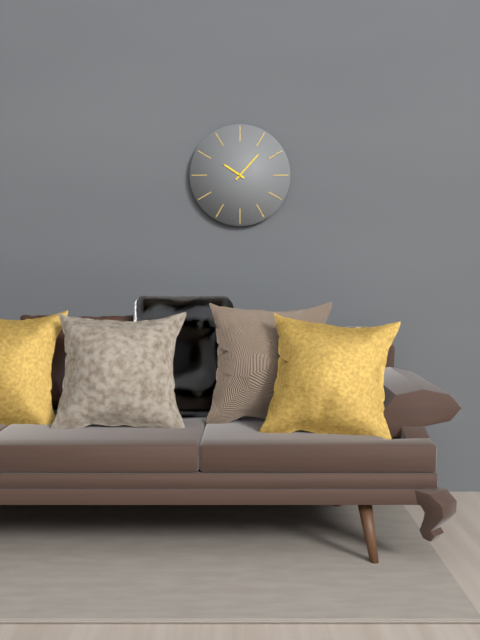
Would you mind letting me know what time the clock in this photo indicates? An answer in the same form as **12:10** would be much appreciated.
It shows **10:07**
